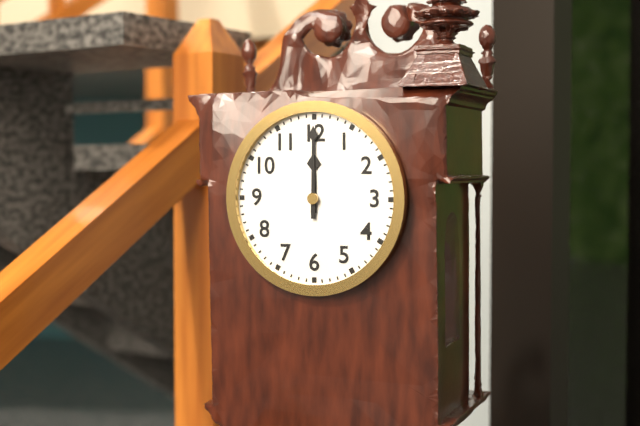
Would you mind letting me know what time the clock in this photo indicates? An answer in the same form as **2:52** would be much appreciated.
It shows **12:00**
